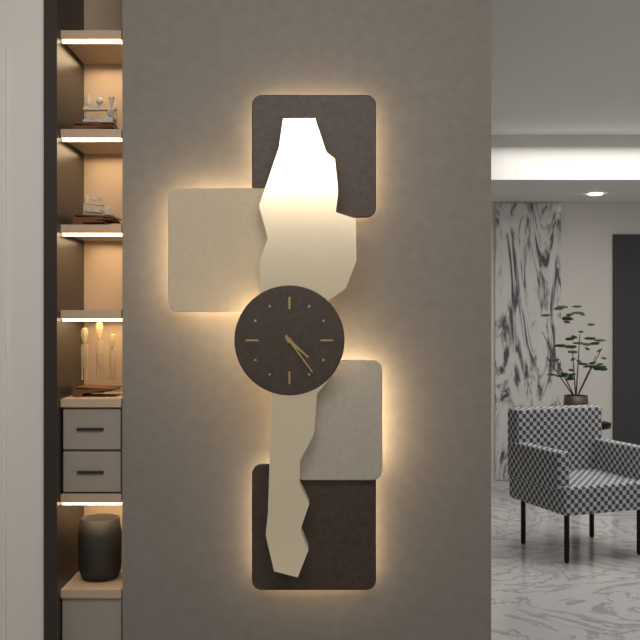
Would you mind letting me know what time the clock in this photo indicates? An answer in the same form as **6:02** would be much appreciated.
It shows **4:24**
